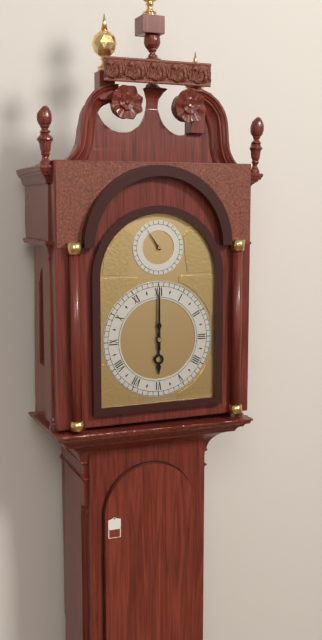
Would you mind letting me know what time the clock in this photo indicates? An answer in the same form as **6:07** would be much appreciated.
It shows **6:00**
